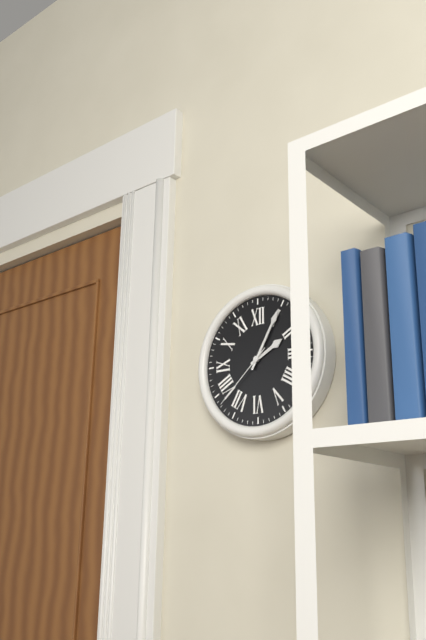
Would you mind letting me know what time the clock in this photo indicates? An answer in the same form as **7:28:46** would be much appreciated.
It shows **2:05:38**
